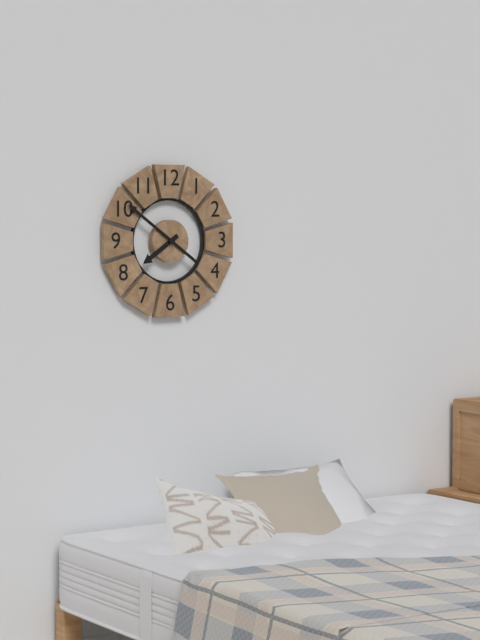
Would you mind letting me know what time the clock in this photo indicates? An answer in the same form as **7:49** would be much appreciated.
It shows **7:51**
